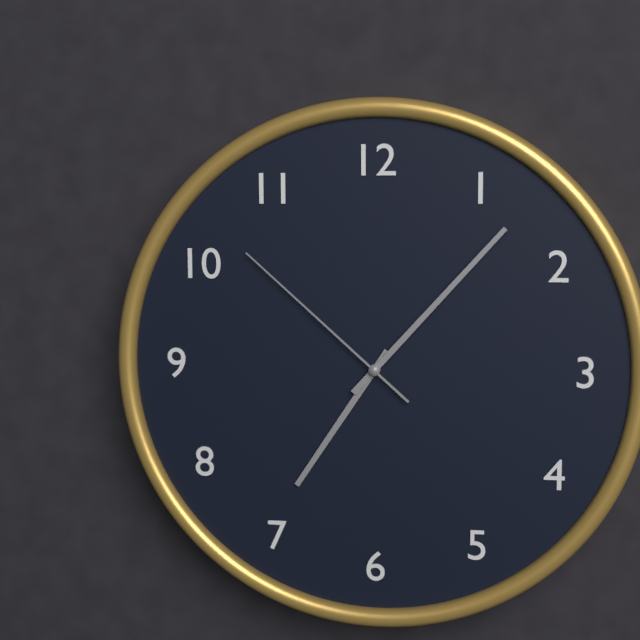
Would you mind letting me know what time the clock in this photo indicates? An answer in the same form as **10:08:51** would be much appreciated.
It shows **7:07:52**
